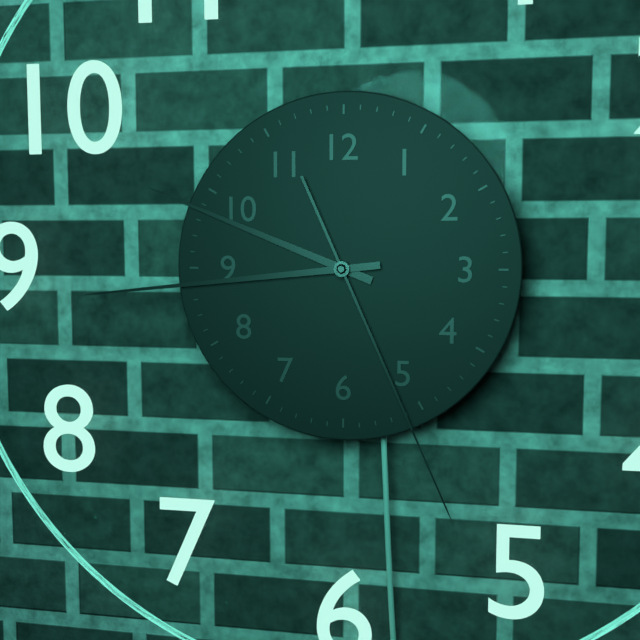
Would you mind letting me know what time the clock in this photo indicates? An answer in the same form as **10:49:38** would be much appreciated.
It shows **9:44:26**
